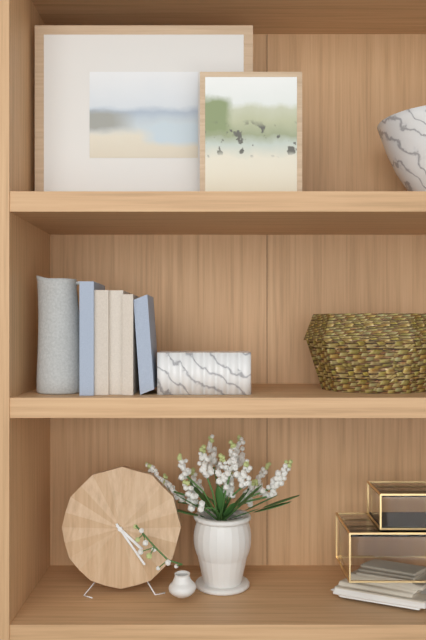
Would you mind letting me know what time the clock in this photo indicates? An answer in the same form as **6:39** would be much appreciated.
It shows **4:24**
